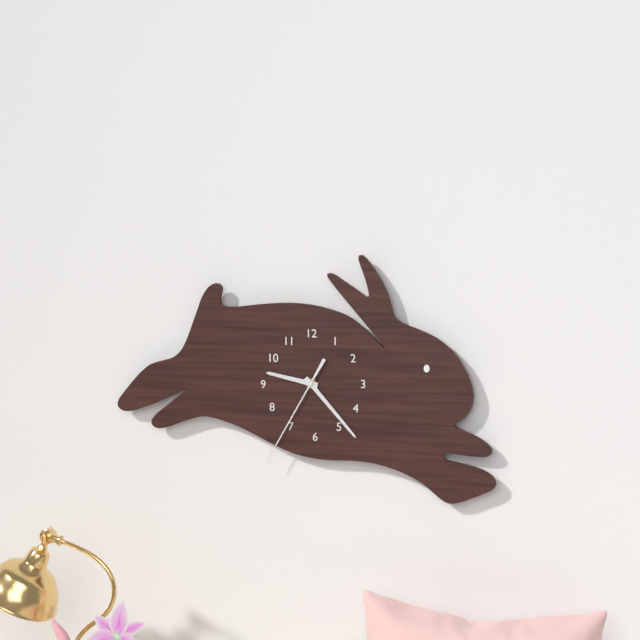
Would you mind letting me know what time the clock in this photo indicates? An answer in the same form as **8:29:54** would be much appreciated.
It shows **9:23:35**
